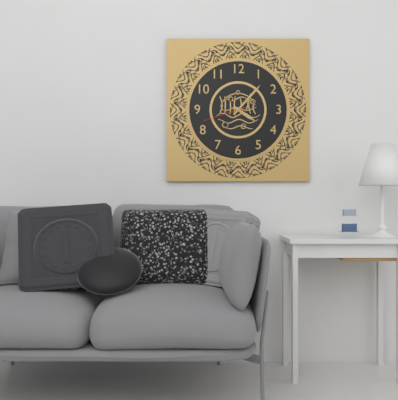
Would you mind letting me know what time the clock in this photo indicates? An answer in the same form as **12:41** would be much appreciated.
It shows **4:07**
